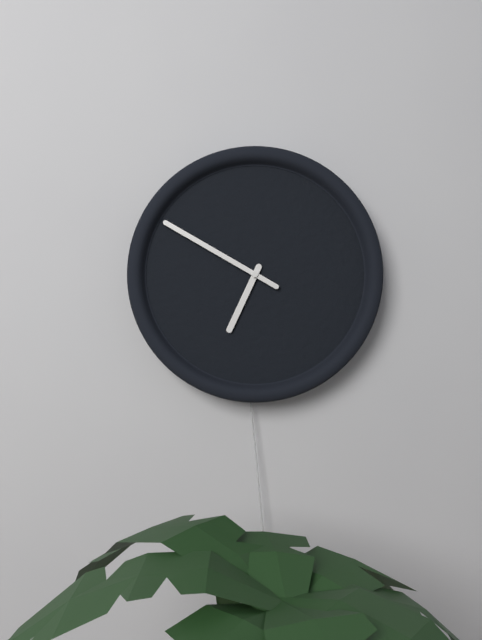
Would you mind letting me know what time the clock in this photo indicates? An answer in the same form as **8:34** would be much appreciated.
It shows **6:50**
